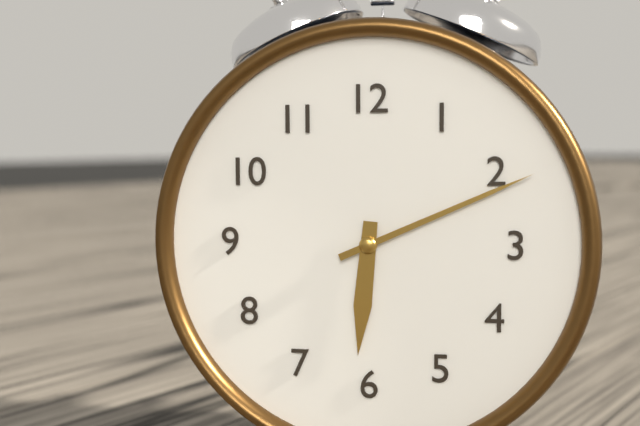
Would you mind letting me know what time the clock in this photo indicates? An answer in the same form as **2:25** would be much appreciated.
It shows **6:11**
